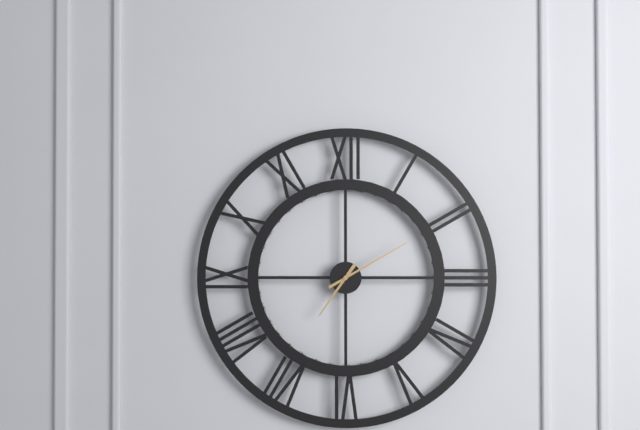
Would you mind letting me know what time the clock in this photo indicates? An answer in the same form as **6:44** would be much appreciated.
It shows **7:10**
